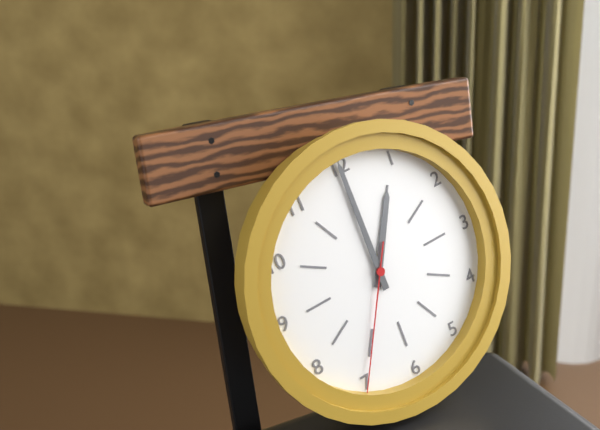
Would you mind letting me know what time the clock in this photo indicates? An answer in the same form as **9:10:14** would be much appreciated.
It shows **1:00:35**
